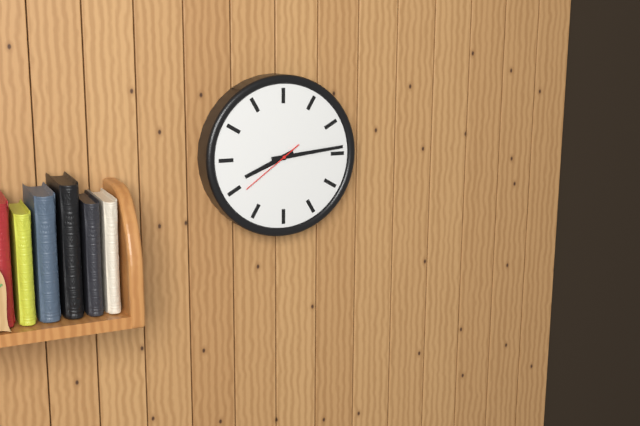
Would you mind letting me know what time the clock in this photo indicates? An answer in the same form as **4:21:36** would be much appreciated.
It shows **8:14:39**
